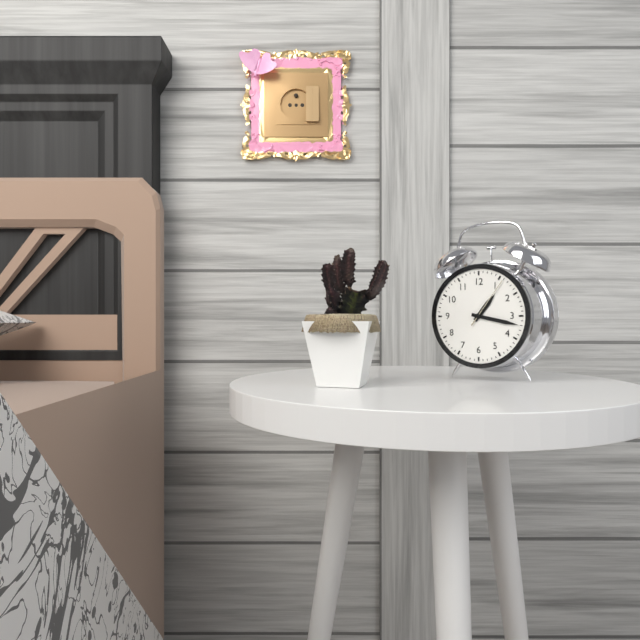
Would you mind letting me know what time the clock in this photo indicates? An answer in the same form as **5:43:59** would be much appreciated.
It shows **1:17:06**
